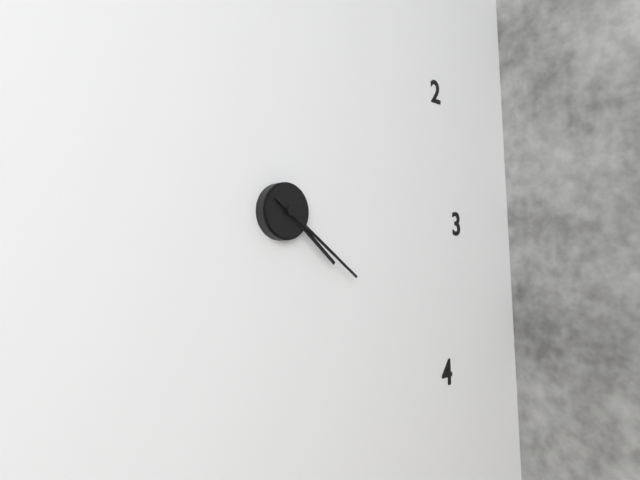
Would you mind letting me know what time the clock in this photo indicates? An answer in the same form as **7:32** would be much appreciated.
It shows **4:21**
